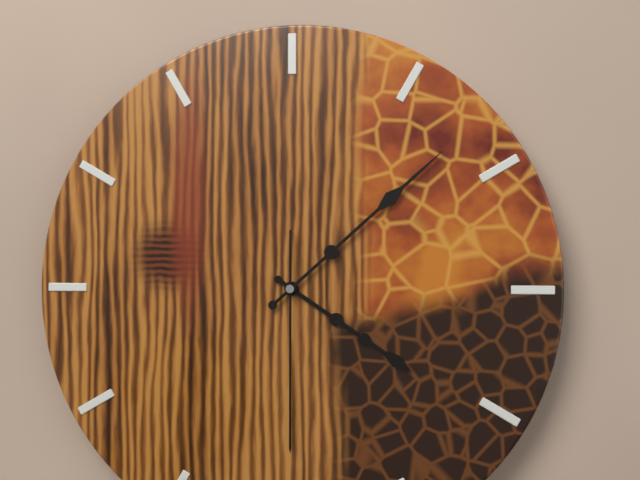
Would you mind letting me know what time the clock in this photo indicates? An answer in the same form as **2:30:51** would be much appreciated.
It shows **4:08:30**
